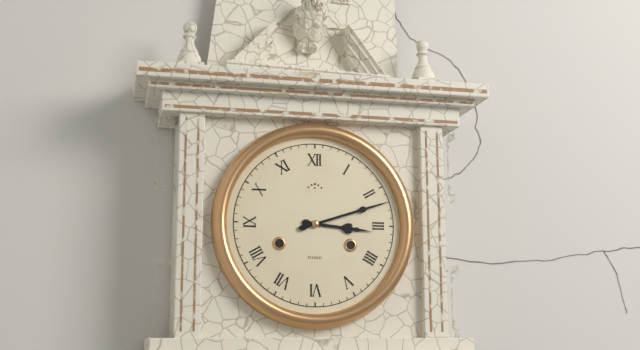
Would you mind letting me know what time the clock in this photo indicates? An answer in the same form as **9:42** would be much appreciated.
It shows **3:12**
